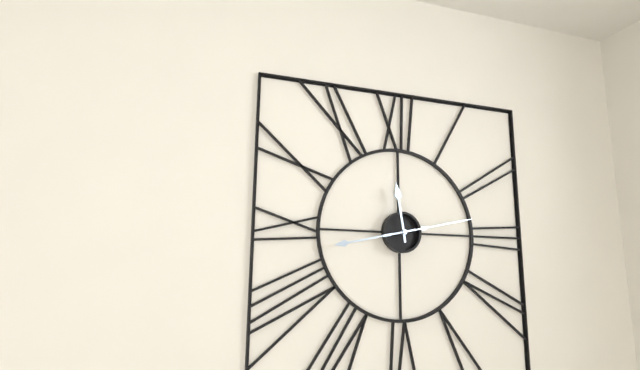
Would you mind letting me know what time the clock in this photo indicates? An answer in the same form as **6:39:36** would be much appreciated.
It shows **11:43:13**
